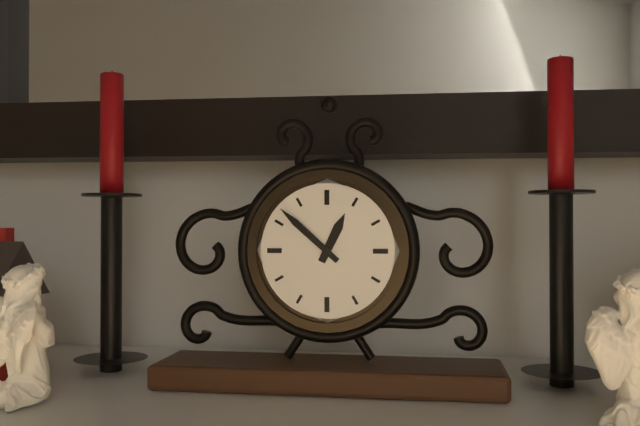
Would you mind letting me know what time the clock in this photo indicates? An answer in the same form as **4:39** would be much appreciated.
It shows **12:52**
